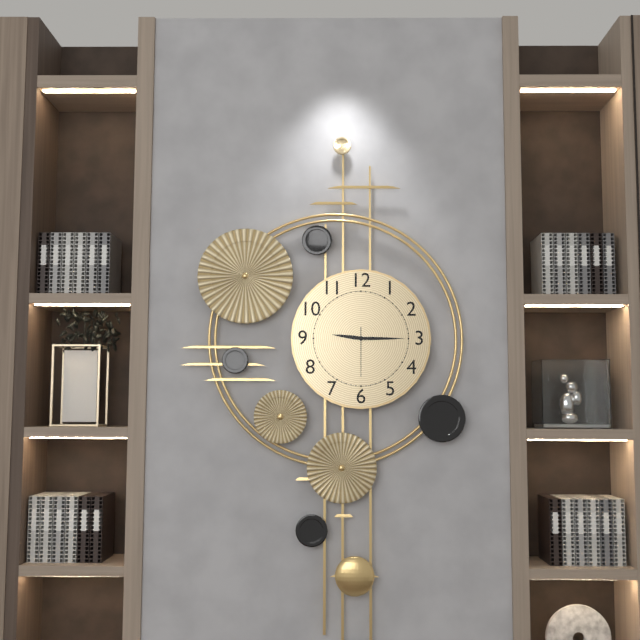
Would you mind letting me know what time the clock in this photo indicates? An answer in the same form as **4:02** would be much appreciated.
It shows **9:15**
